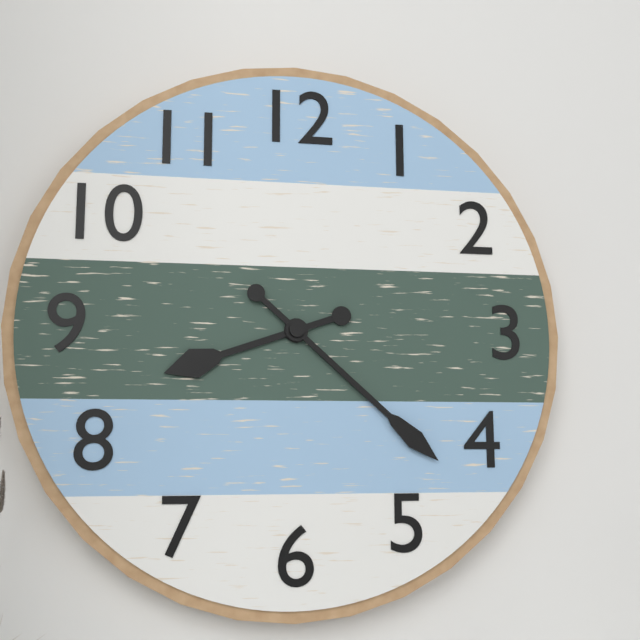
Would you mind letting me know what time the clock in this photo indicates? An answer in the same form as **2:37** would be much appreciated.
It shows **8:22**
